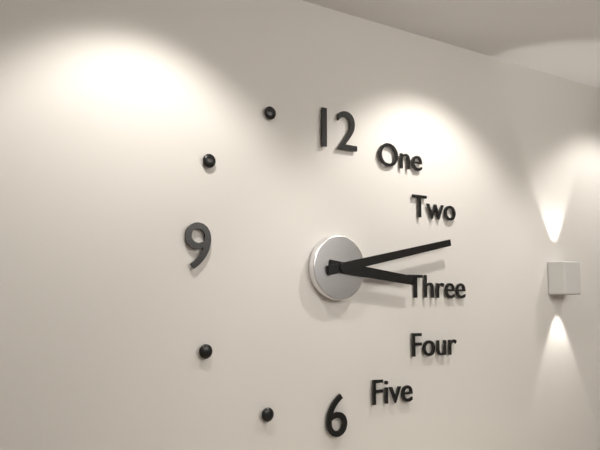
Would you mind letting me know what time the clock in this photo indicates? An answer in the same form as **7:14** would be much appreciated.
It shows **3:13**
